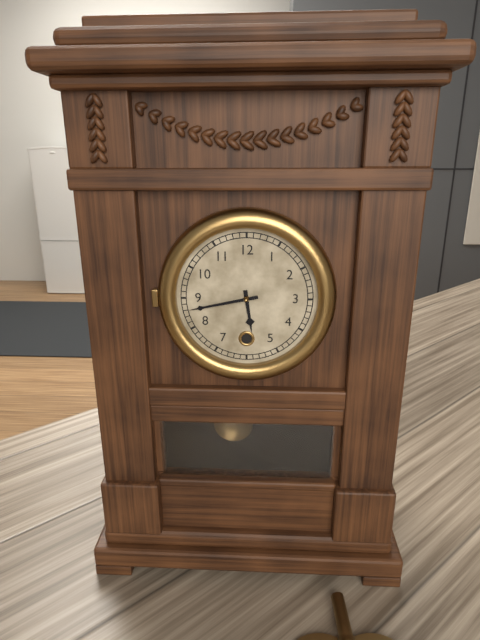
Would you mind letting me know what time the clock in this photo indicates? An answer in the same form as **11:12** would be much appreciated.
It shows **5:43**
